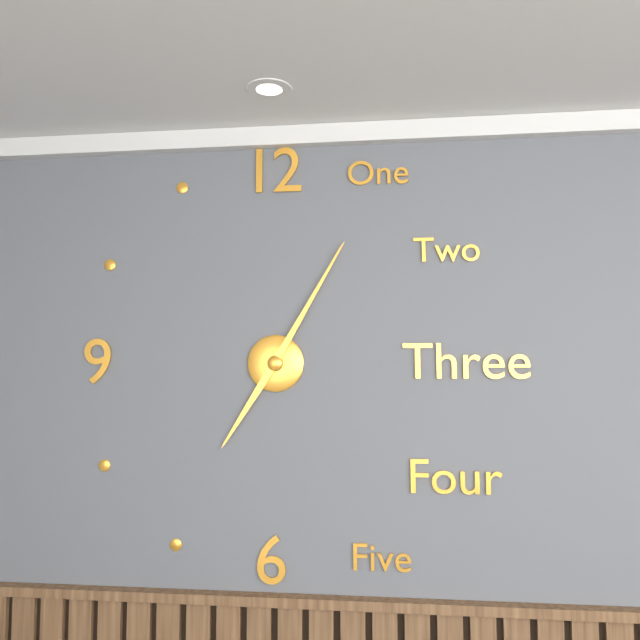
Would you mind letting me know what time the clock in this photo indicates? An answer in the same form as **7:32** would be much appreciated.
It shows **7:05**
